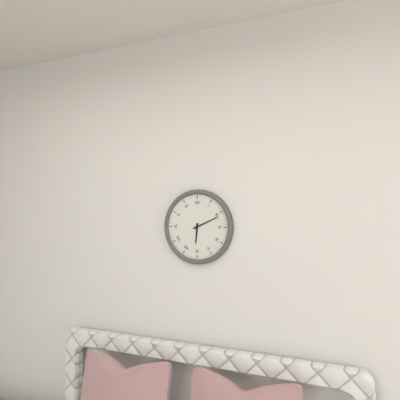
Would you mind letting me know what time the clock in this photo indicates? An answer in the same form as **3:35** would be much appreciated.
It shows **6:11**
